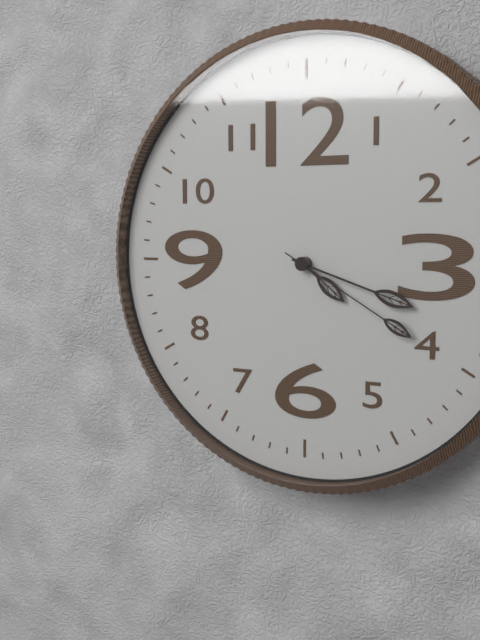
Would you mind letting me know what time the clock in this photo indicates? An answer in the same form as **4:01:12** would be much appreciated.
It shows **4:18:20**
